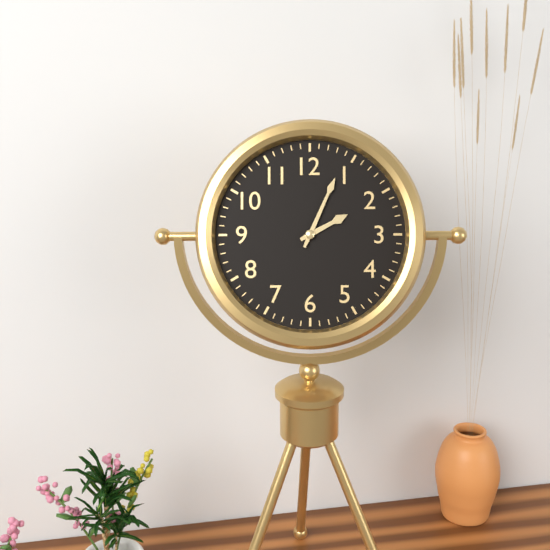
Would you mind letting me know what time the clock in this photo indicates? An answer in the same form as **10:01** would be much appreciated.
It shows **2:04**
